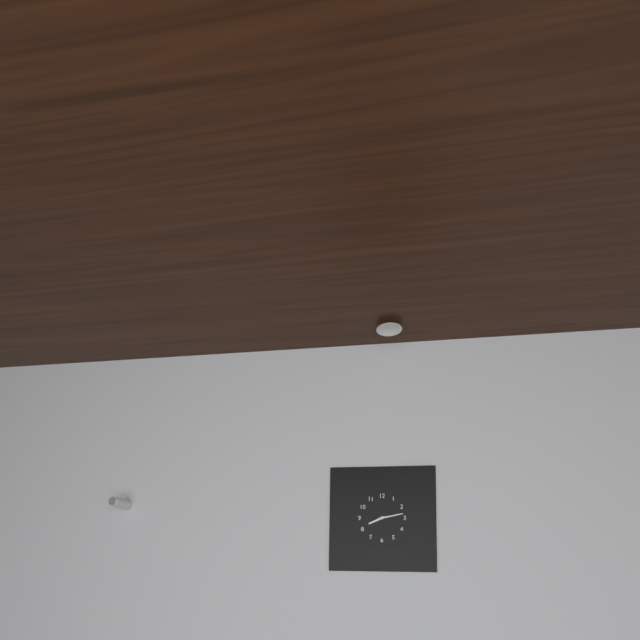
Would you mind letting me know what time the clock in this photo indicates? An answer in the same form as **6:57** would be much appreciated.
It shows **8:13**
